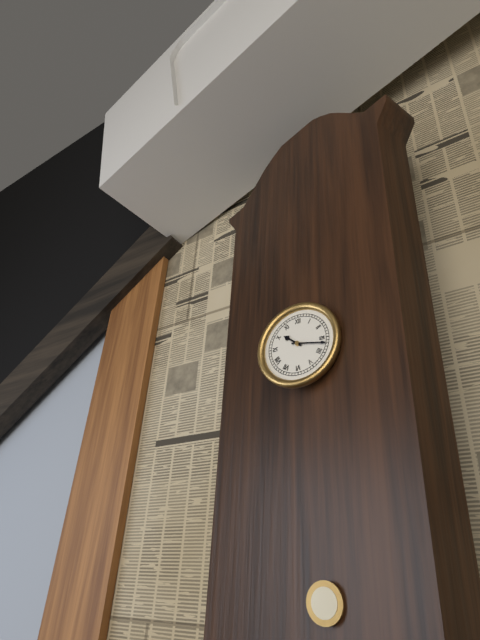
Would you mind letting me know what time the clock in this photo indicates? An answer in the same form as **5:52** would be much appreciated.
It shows **10:17**
